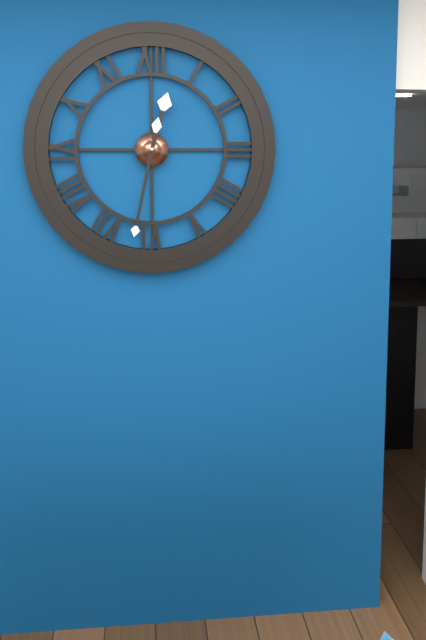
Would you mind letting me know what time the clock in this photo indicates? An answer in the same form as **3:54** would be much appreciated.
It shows **12:32**
